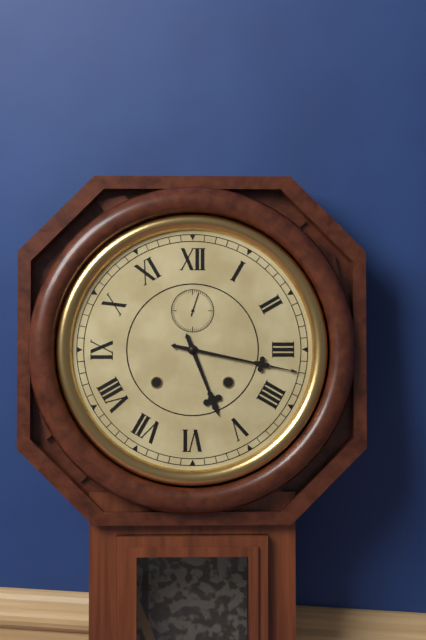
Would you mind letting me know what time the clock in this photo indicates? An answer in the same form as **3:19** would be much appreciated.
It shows **5:17**
